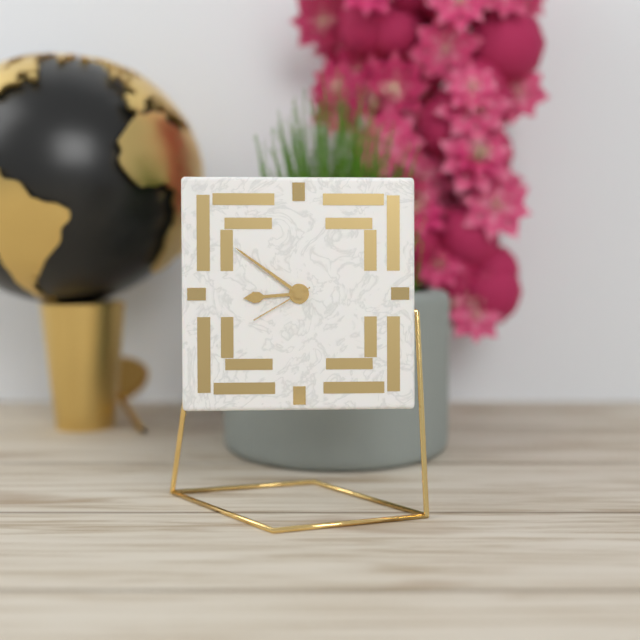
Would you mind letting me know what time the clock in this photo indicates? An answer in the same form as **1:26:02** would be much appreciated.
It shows **8:51:40**
